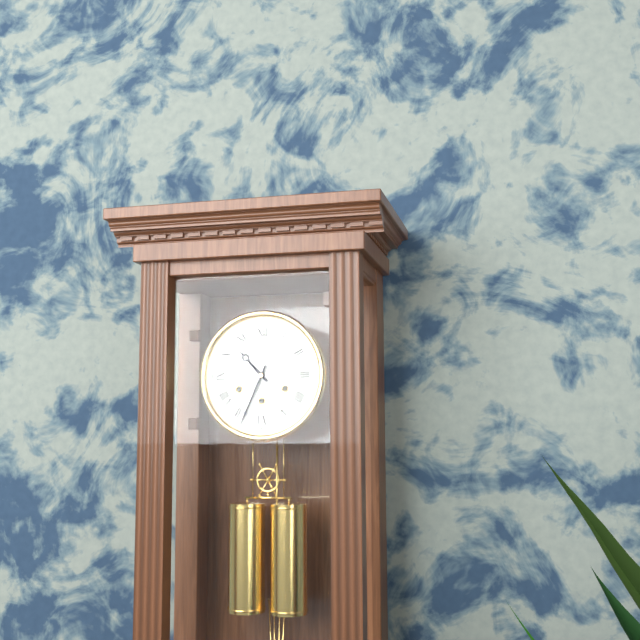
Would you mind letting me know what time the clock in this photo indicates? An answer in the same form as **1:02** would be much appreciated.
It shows **10:34**
